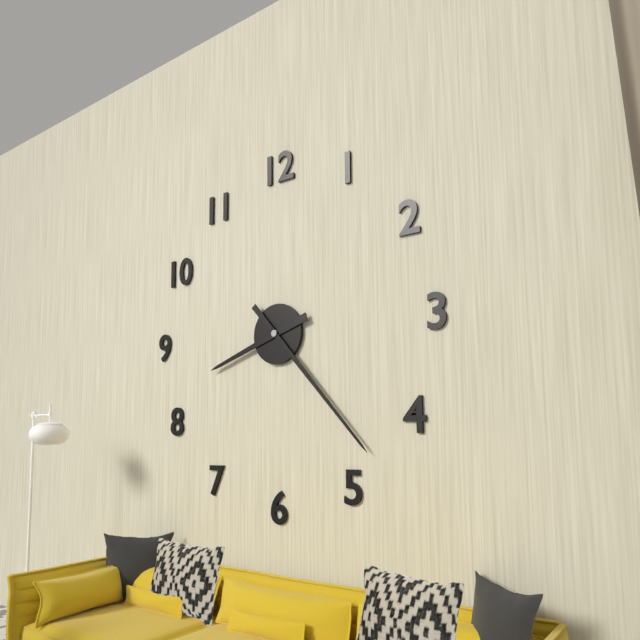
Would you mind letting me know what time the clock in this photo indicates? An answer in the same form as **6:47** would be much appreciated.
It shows **8:23**
